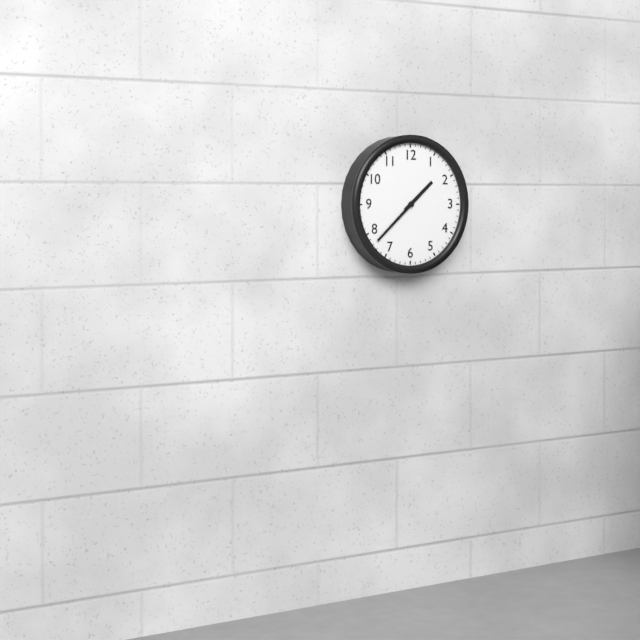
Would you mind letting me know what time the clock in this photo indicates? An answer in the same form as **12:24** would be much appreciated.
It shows **1:38**
